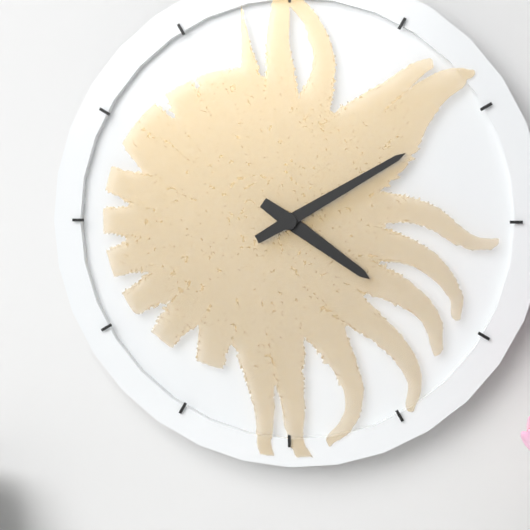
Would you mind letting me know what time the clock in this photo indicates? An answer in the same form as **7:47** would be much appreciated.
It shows **4:10**
